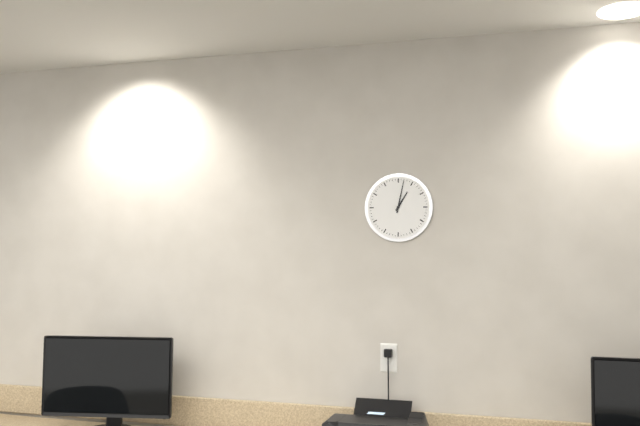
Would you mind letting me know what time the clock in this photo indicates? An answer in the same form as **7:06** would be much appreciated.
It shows **1:02**
